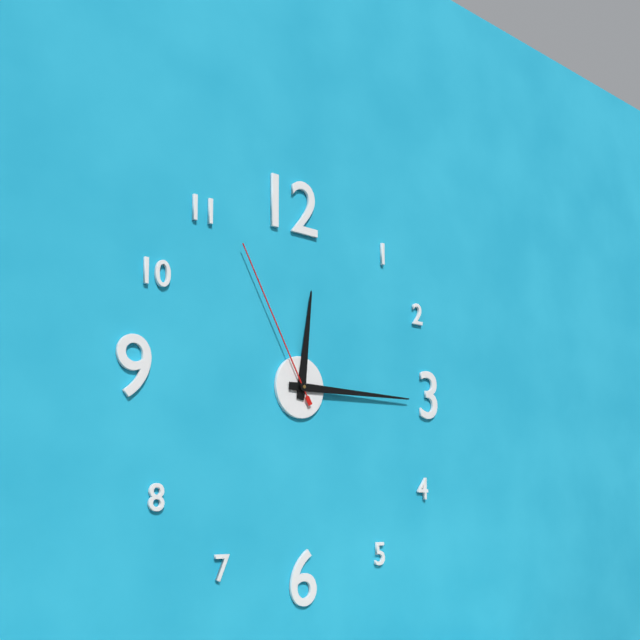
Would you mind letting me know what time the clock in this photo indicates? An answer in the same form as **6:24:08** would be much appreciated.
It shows **12:15:55**
